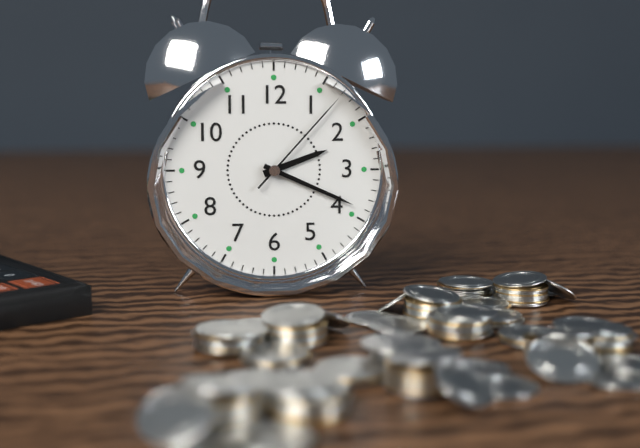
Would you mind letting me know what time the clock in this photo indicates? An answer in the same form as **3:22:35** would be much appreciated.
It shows **2:19:07**
